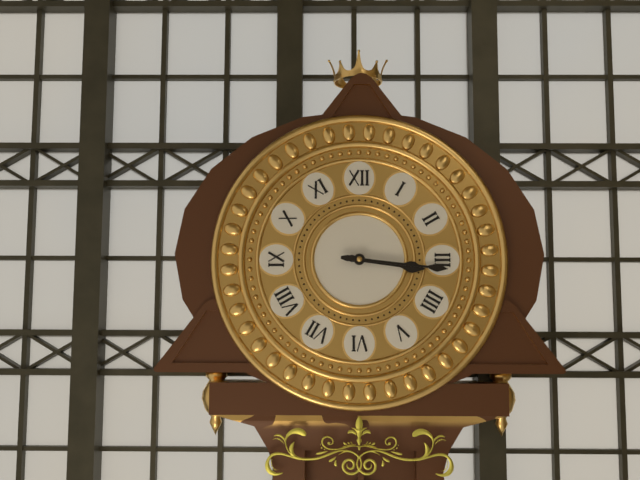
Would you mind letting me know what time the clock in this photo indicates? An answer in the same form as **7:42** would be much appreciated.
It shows **3:16**
